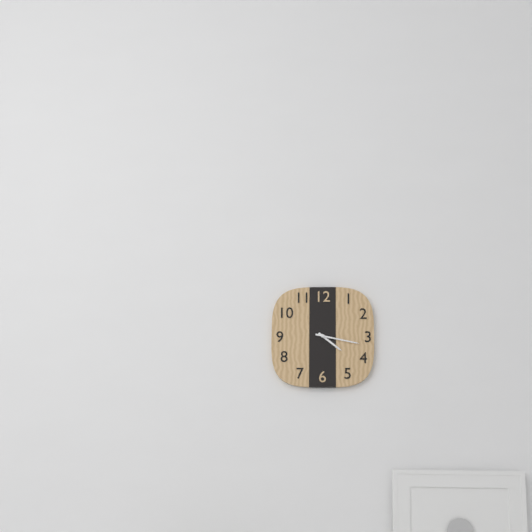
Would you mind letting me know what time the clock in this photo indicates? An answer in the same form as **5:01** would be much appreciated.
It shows **4:17**
